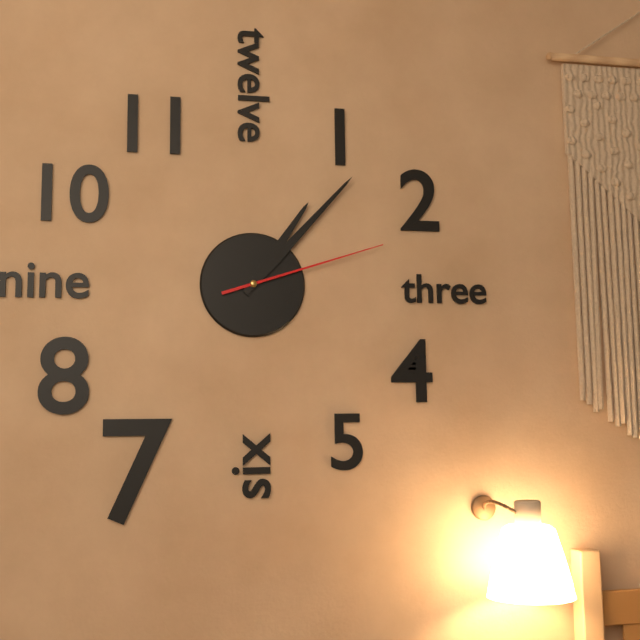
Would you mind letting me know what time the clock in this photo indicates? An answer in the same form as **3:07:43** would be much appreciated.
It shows **1:07:12**
